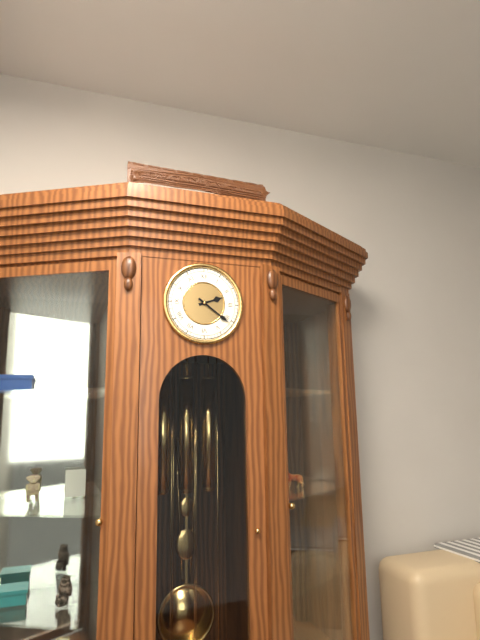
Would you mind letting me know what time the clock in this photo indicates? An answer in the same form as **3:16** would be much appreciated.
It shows **2:21**
